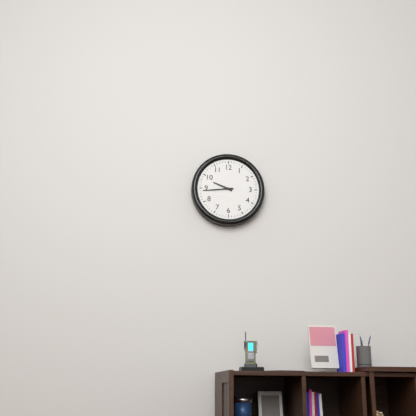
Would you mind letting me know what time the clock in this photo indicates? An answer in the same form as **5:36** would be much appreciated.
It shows **9:44**
